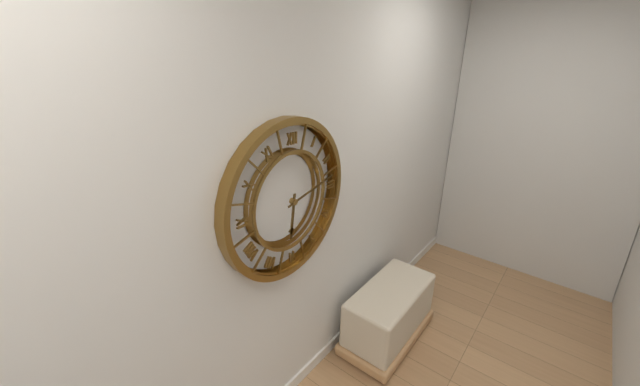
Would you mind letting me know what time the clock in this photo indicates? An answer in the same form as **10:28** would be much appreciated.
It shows **6:13**
